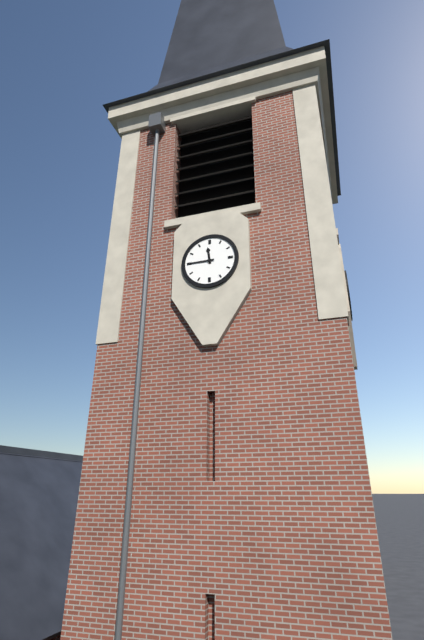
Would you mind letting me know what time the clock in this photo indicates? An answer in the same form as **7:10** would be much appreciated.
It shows **11:45**
